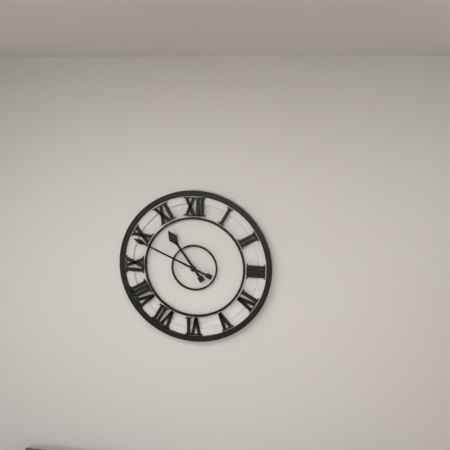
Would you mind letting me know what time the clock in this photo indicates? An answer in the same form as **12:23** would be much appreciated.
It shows **10:49**
